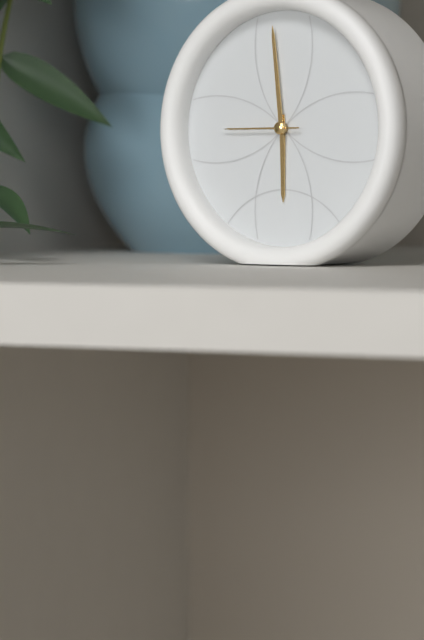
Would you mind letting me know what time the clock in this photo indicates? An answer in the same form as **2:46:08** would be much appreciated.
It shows **5:59:45**
